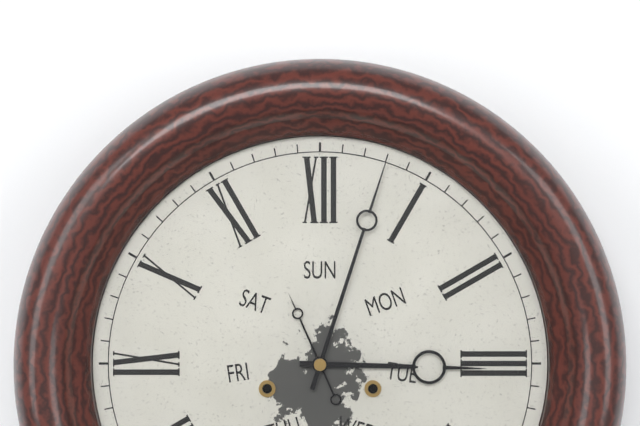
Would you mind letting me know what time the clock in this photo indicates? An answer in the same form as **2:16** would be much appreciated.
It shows **3:03**
